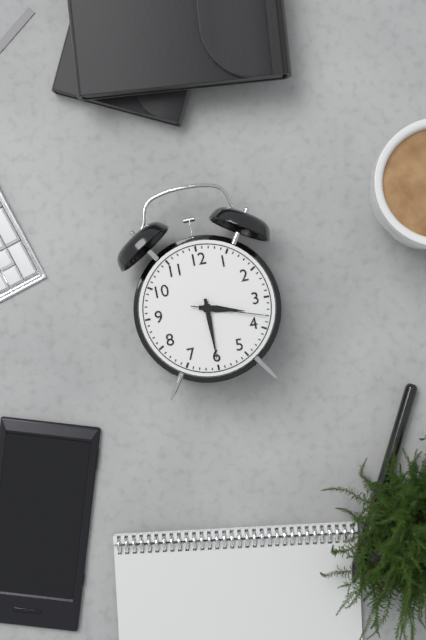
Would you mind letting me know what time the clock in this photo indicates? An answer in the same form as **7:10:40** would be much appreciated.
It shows **3:30:18**
